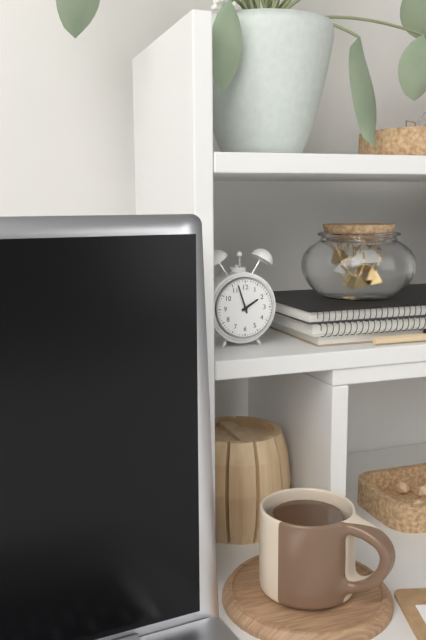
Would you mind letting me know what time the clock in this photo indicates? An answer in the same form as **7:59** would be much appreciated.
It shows **1:57**
